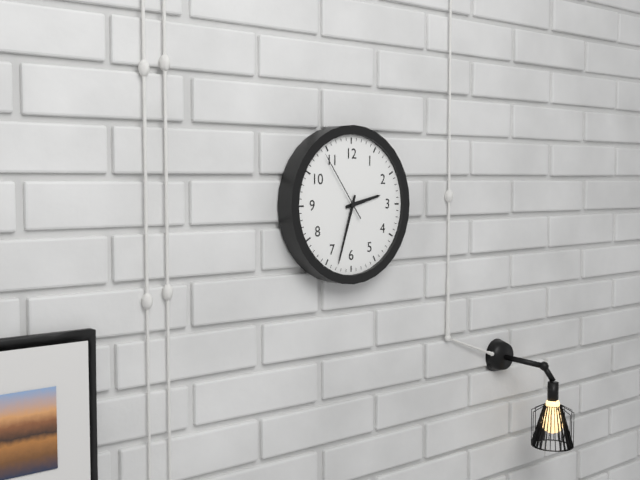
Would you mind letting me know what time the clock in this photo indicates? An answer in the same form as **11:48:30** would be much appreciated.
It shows **2:33:54**
